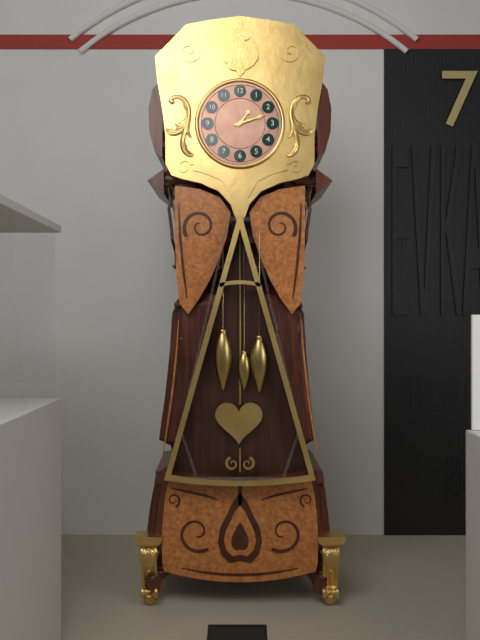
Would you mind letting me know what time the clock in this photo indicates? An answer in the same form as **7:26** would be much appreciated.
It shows **1:12**
